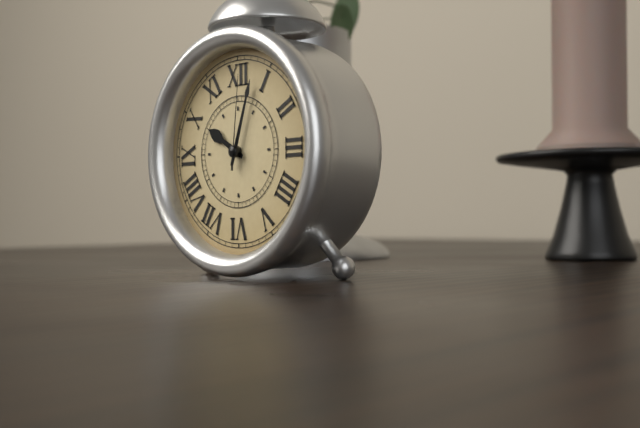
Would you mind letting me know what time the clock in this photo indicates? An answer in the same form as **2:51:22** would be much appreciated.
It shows **10:03:01**
